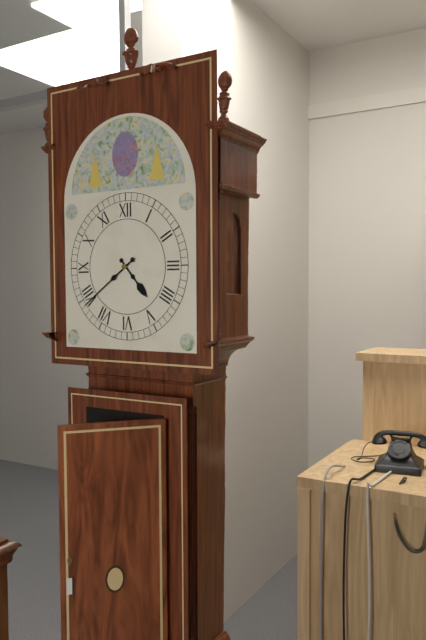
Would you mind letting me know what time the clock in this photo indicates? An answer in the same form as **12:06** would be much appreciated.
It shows **4:39**
